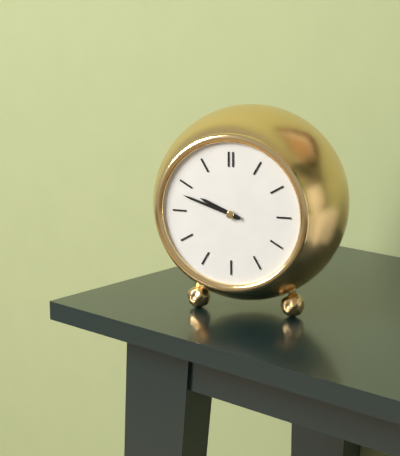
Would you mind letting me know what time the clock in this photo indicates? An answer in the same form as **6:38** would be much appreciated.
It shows **9:48**
